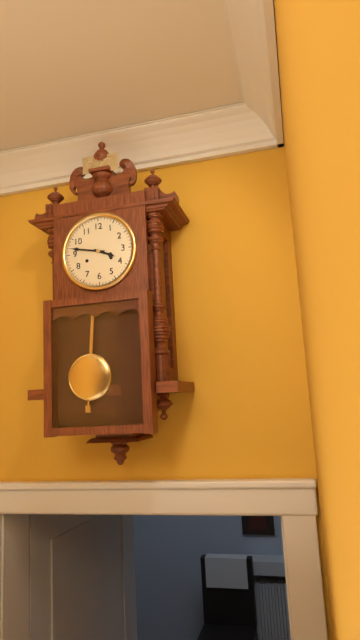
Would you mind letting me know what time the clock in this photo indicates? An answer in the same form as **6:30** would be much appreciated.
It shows **3:47**
